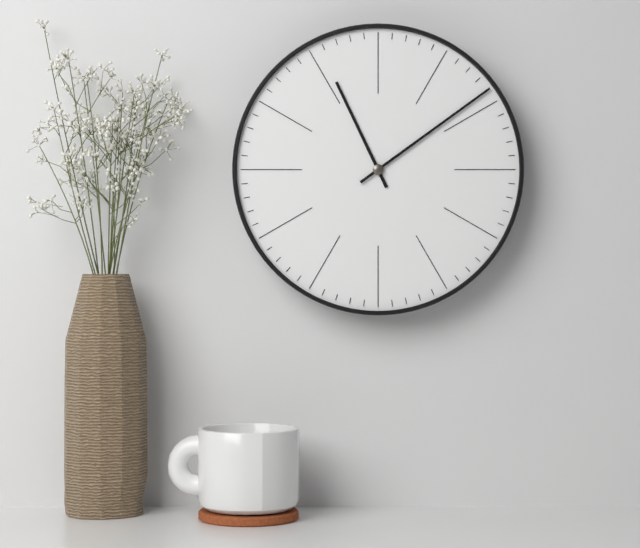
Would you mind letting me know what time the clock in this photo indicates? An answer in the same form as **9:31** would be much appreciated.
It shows **11:09**
